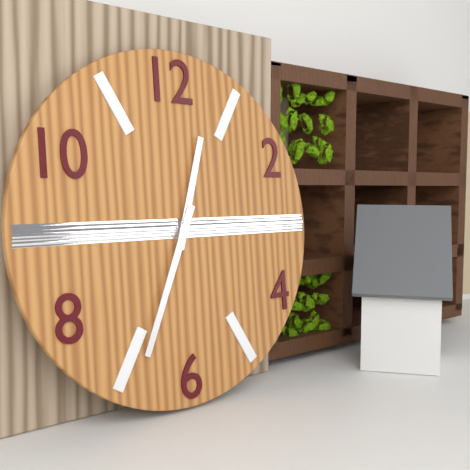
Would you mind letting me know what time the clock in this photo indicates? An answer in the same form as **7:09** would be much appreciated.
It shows **12:34**
